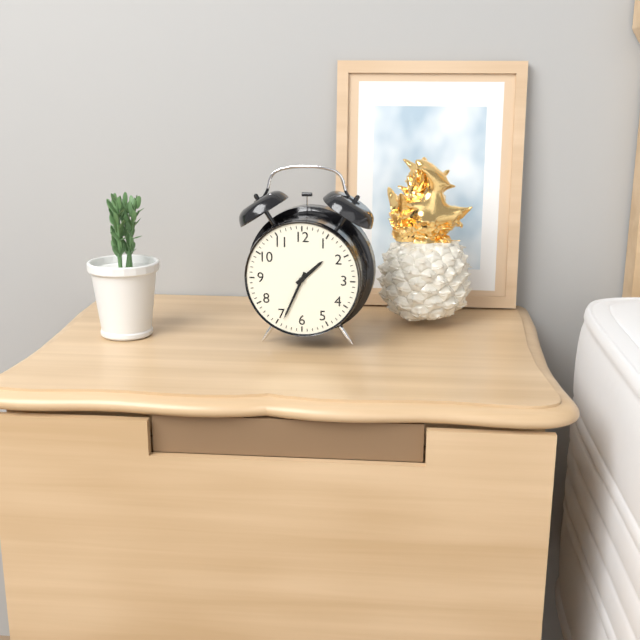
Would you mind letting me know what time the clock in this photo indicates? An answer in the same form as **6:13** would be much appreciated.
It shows **1:34**
